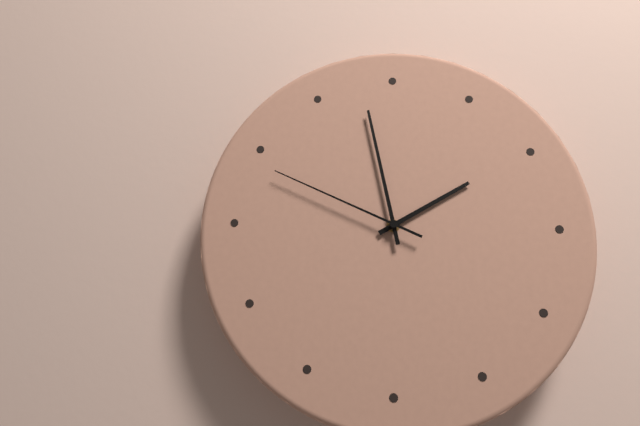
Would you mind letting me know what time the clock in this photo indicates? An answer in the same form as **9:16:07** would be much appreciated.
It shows **1:58:49**
